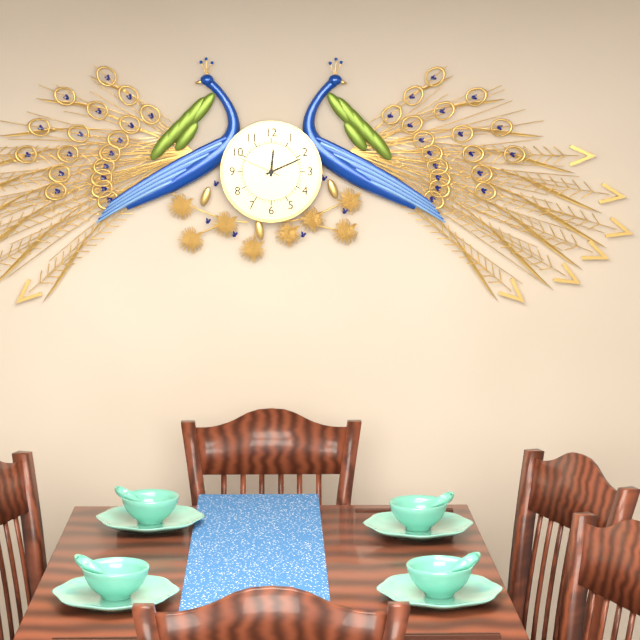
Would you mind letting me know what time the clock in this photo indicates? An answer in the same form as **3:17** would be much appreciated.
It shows **12:11**
